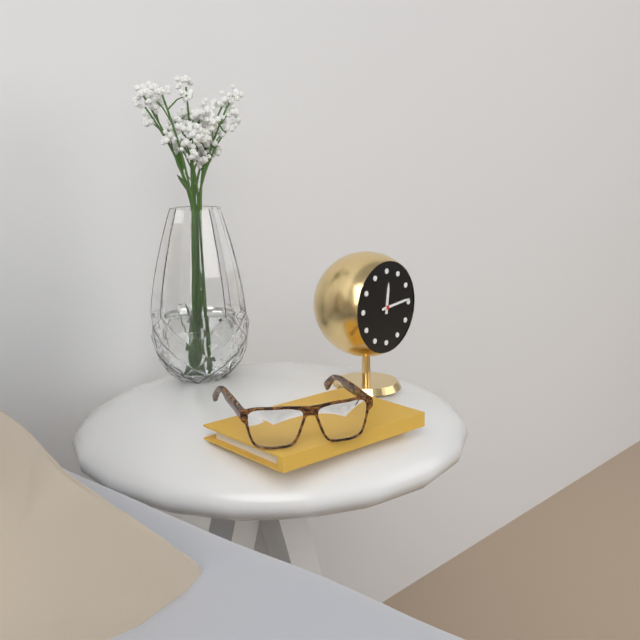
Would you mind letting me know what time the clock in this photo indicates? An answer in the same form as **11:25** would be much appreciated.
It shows **12:14**
